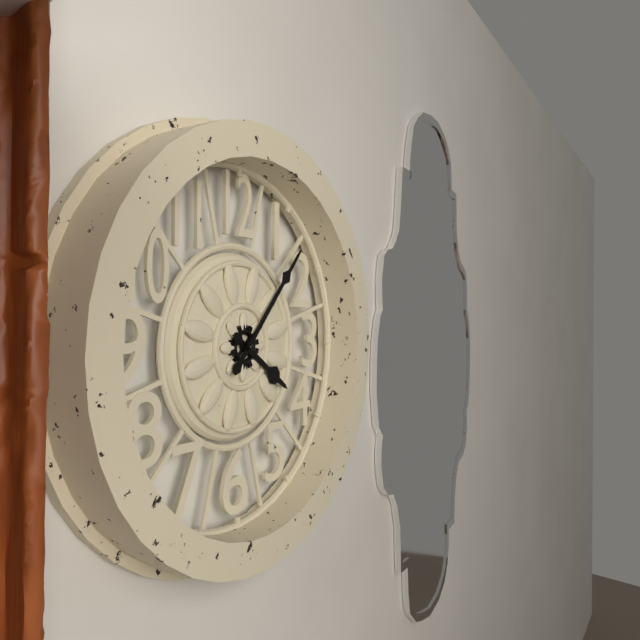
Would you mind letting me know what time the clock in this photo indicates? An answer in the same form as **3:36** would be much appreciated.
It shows **4:07**
